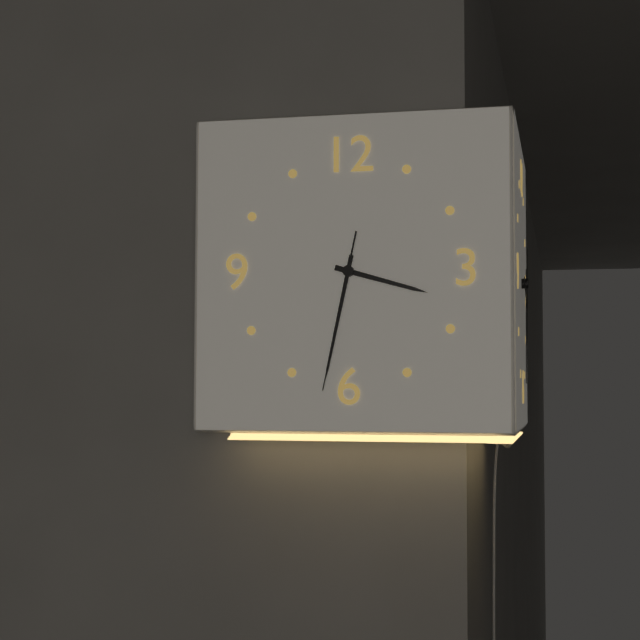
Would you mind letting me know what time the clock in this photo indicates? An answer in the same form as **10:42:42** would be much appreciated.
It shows **3:32:32**
